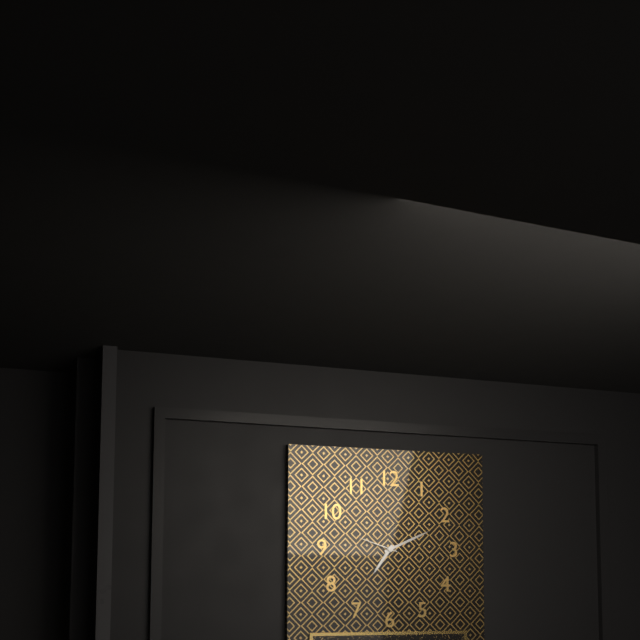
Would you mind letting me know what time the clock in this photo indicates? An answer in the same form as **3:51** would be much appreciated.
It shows **7:11**
